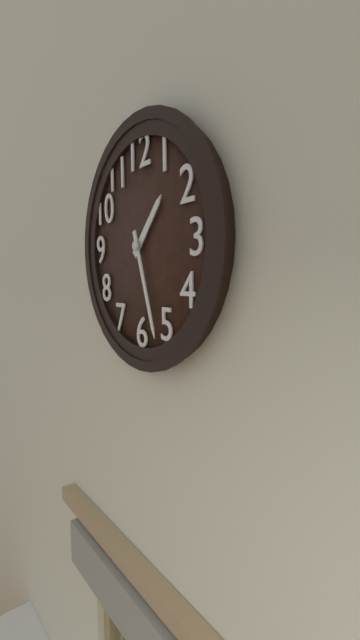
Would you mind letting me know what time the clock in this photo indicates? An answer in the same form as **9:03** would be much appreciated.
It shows **1:27**
